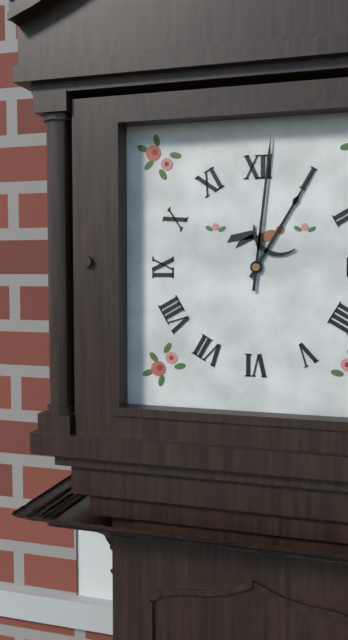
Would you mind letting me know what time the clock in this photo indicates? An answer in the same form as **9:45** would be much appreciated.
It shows **1:01**
